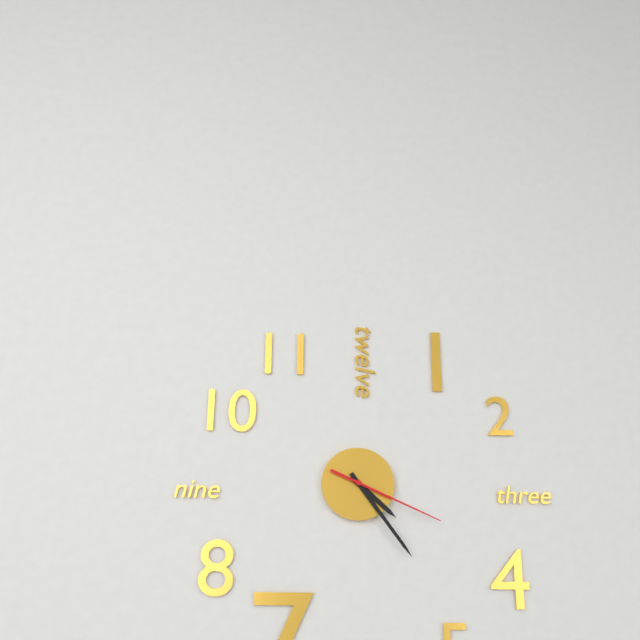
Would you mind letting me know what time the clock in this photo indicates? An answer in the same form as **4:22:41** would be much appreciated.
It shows **4:24:19**
